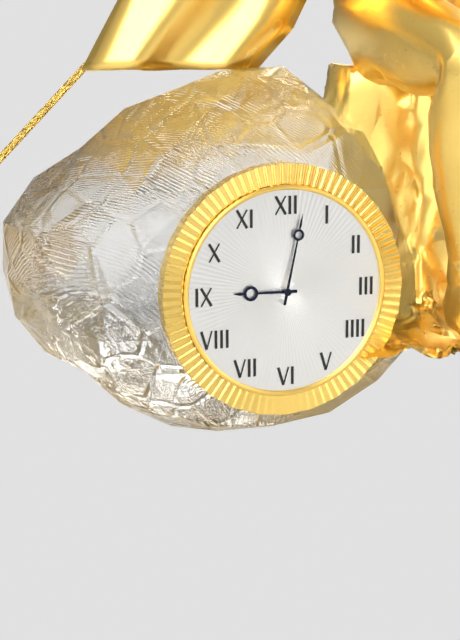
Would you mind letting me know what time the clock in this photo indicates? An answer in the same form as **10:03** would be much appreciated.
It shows **9:02**
